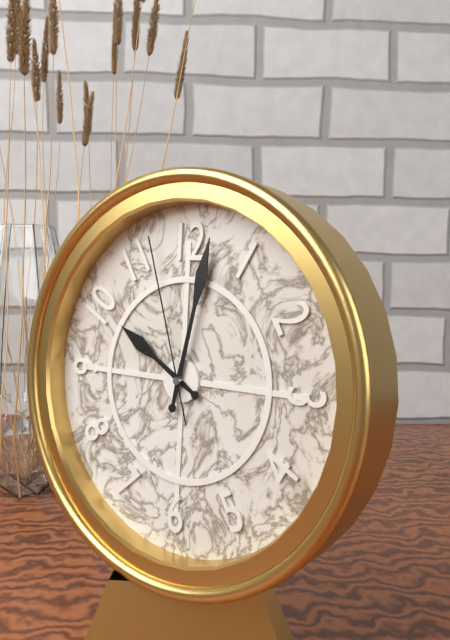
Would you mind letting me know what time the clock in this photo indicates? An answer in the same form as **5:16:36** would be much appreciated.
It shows **10:02:57**
